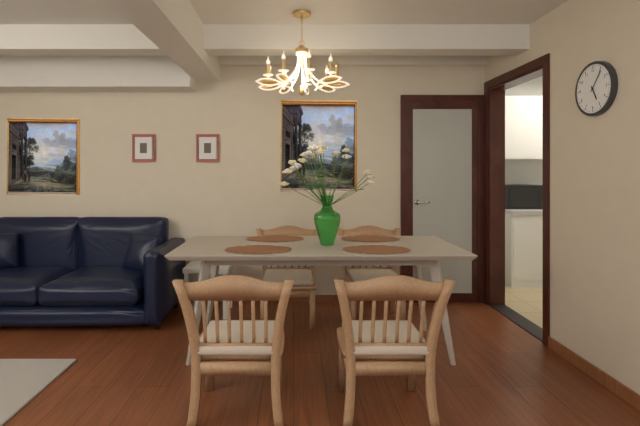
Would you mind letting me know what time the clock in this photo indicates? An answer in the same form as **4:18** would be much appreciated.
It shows **5:06**
